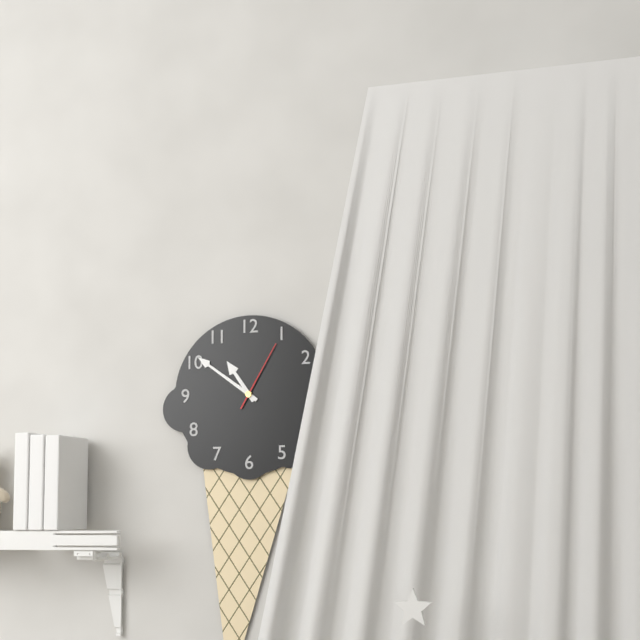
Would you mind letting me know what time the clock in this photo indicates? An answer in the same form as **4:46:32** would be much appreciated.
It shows **10:51:05**
